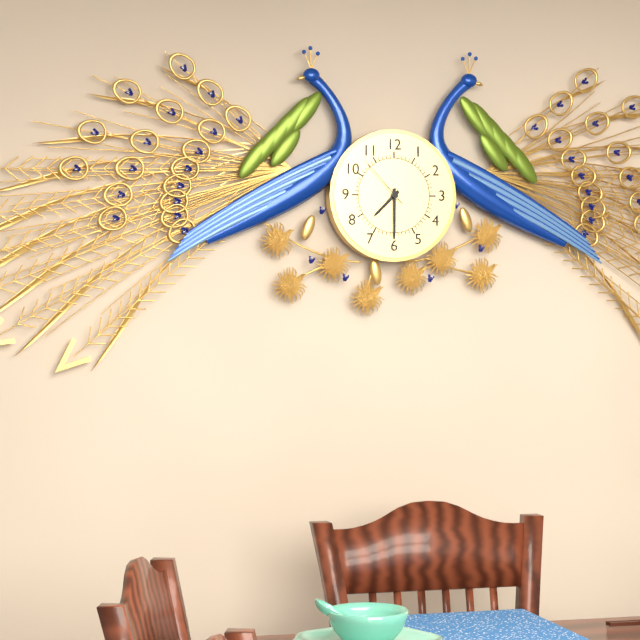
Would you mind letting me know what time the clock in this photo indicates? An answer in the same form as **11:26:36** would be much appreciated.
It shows **7:30:53**
